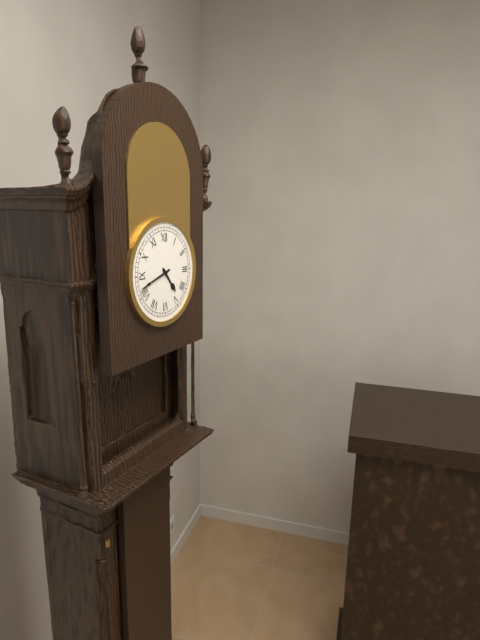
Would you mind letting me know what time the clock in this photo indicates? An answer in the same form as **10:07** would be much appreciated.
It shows **4:42**
